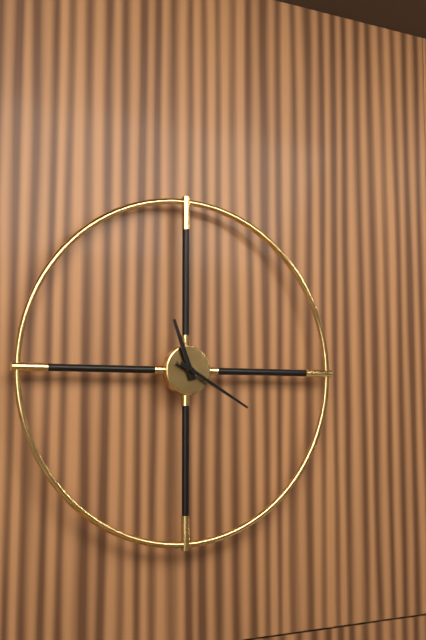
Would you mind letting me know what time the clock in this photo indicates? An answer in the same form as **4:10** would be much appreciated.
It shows **11:20**
